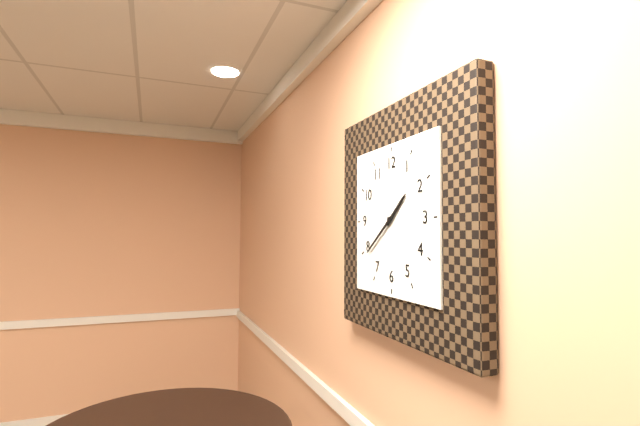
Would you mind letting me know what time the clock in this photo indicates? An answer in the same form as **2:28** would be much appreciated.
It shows **1:39**
